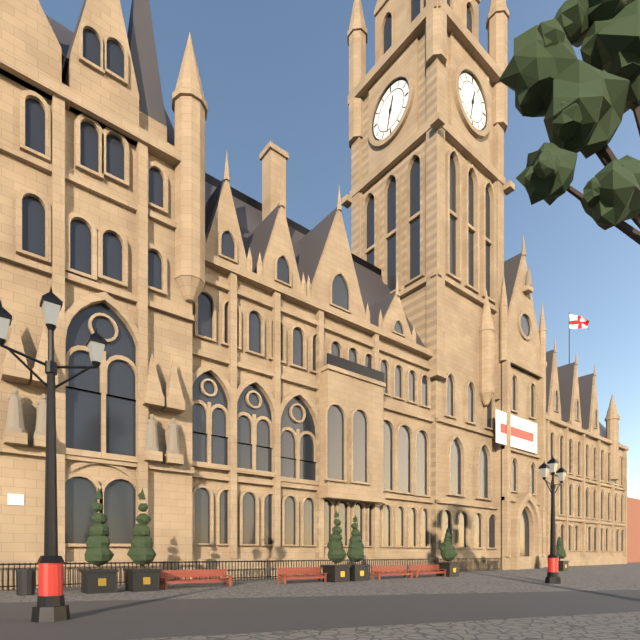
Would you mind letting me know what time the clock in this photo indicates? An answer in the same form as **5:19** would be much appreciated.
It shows **12:32**
